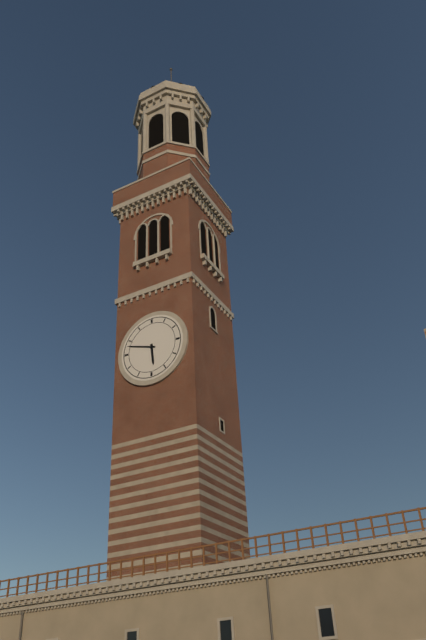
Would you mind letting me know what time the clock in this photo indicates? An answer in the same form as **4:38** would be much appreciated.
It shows **5:48**
